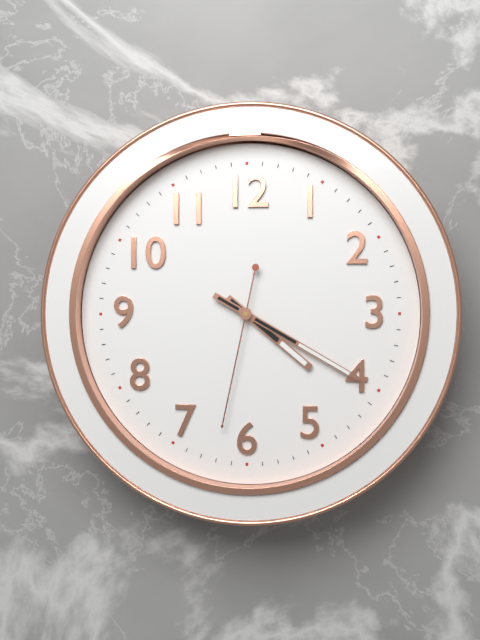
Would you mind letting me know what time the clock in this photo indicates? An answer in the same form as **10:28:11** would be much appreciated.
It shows **4:20:32**
